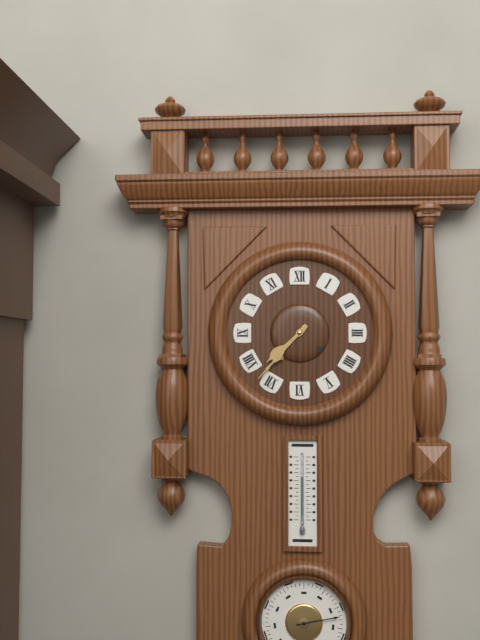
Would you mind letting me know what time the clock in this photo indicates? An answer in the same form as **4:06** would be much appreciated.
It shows **7:37**
